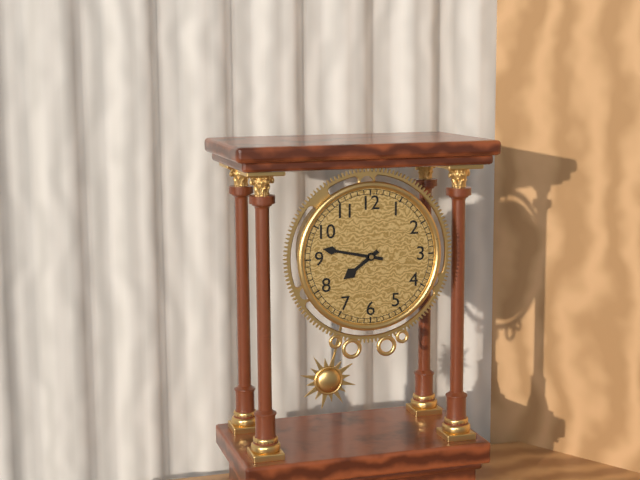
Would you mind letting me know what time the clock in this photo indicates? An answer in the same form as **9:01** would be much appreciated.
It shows **7:47**
